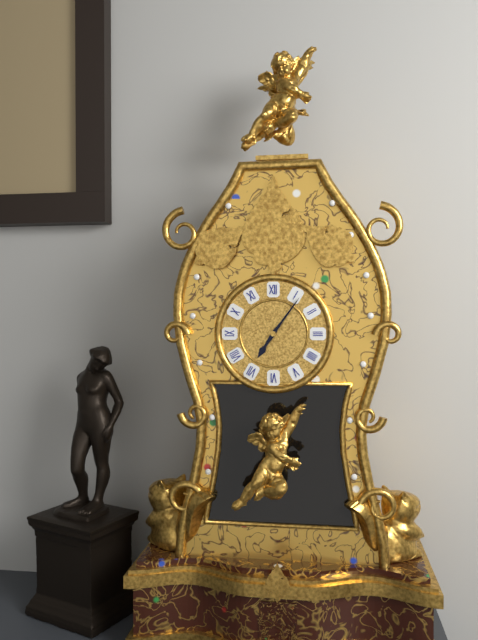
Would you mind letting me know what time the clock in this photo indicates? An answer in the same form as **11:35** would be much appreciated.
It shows **7:06**
